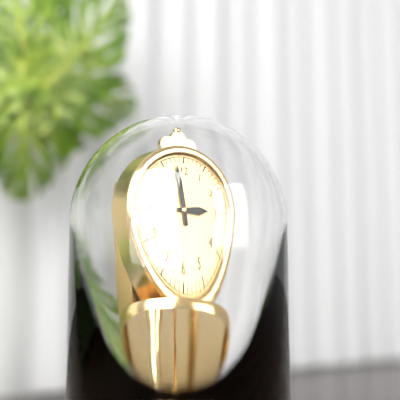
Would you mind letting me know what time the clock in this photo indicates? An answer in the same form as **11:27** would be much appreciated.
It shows **2:58**
